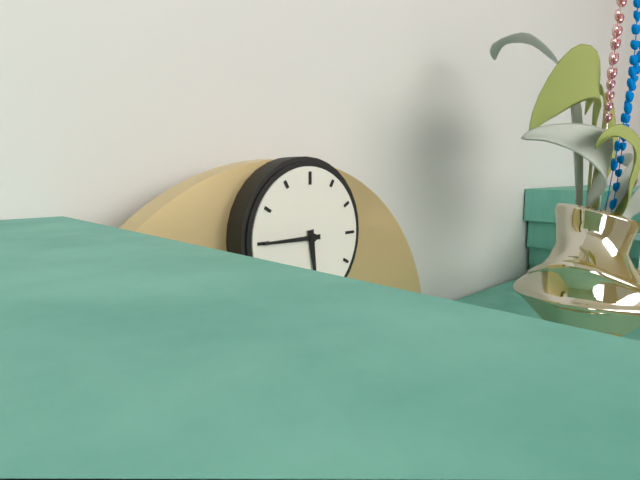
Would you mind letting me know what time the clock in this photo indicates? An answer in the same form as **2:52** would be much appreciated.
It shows **5:45**
